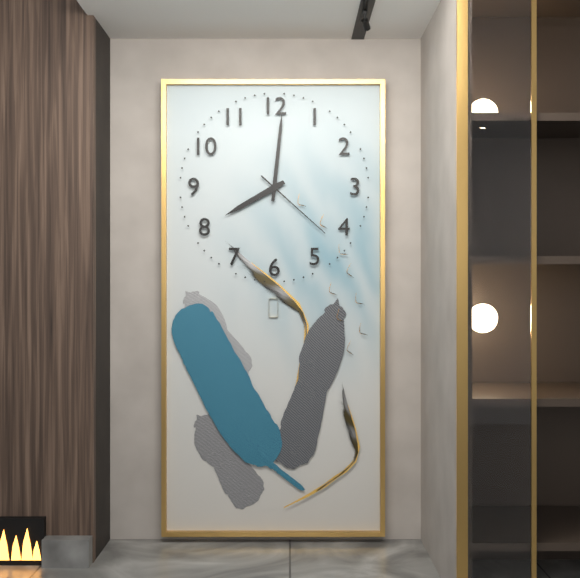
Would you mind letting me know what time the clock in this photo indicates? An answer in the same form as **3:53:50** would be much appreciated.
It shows **8:01:22**
